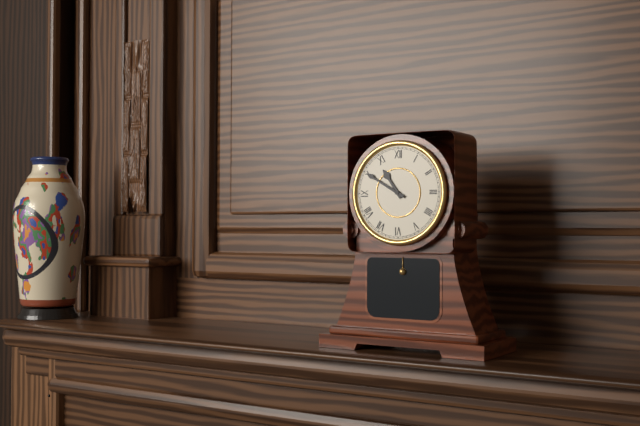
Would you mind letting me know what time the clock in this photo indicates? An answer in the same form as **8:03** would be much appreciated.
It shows **10:50**
